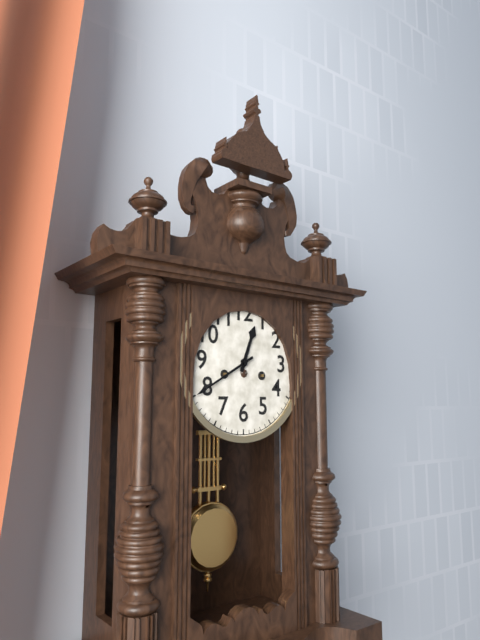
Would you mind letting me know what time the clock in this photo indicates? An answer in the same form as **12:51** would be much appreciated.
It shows **12:40**
